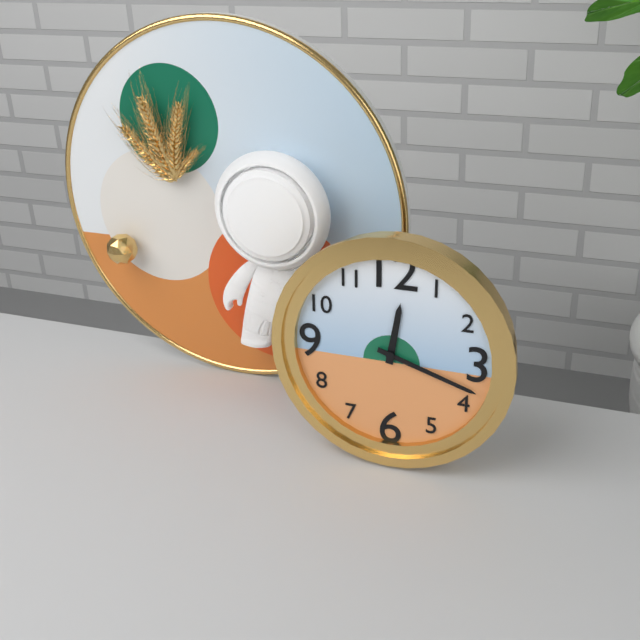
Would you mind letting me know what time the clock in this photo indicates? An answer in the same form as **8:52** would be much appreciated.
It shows **12:18**
